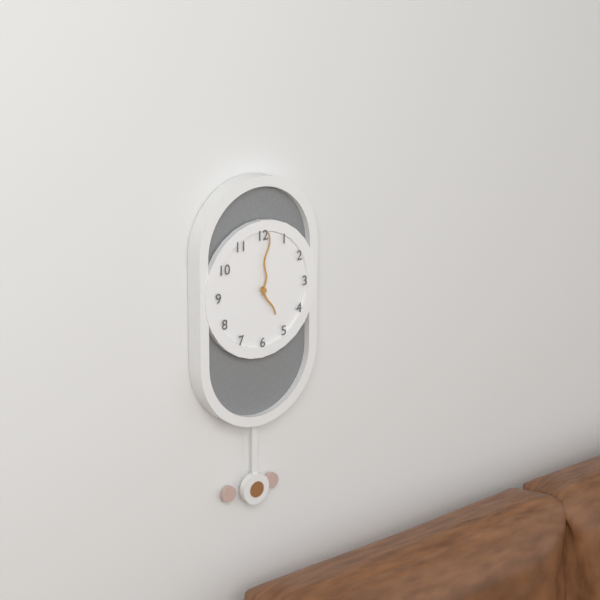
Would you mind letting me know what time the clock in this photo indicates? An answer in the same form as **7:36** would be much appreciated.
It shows **5:01**
